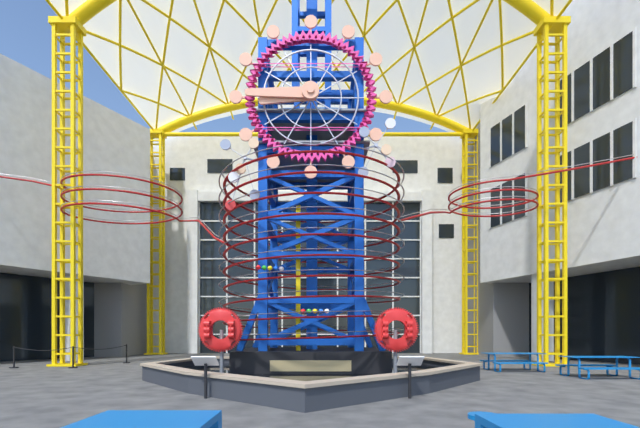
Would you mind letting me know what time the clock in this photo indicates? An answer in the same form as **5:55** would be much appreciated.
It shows **8:45**
